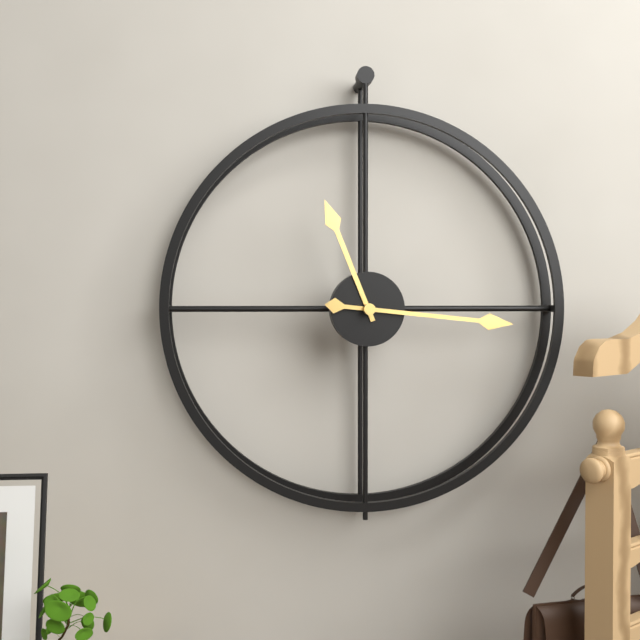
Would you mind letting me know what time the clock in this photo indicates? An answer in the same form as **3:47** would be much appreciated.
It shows **11:16**
